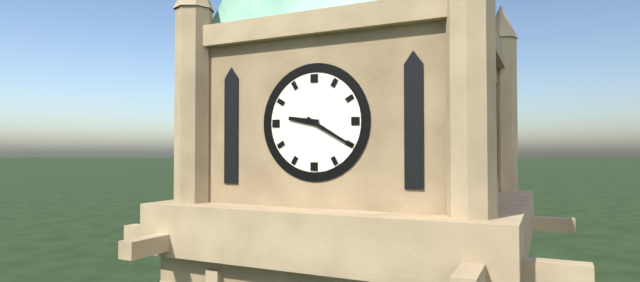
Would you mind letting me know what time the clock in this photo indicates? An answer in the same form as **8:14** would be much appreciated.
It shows **9:20**
